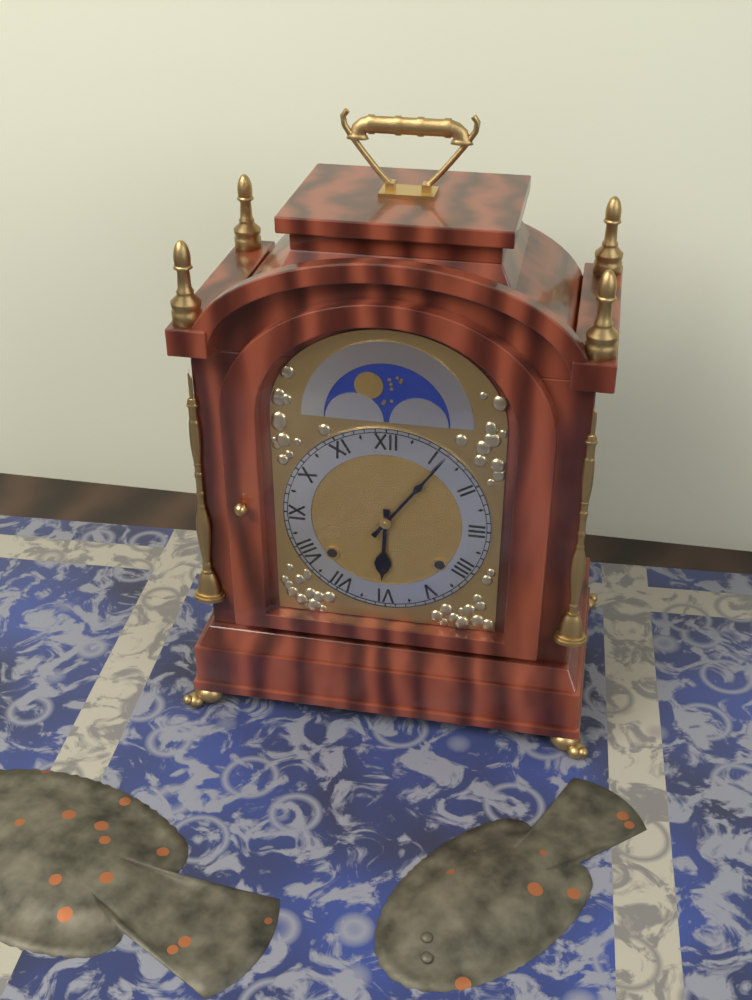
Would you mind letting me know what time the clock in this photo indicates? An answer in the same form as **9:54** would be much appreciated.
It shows **6:06**
